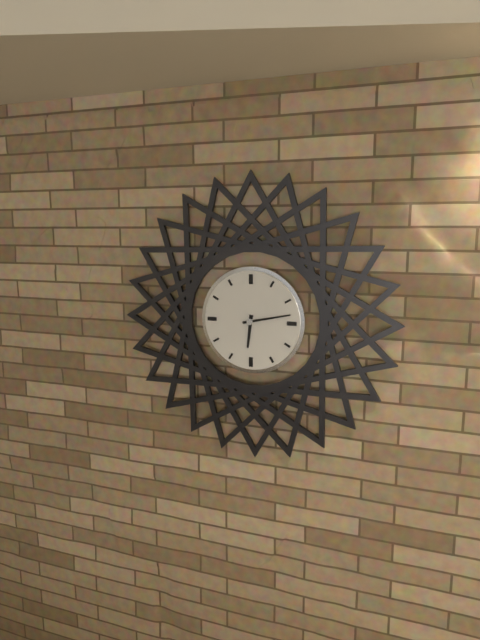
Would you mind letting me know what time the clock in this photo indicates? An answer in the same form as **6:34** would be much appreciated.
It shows **6:13**
